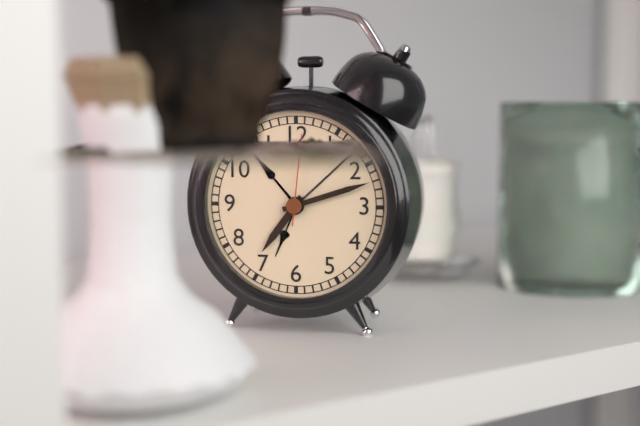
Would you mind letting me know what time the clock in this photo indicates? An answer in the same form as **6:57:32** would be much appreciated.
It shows **7:12:01**
